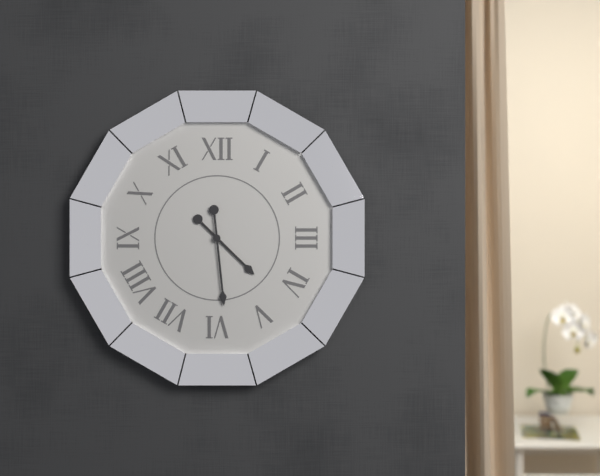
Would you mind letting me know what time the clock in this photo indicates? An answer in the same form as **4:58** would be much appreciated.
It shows **4:29**
